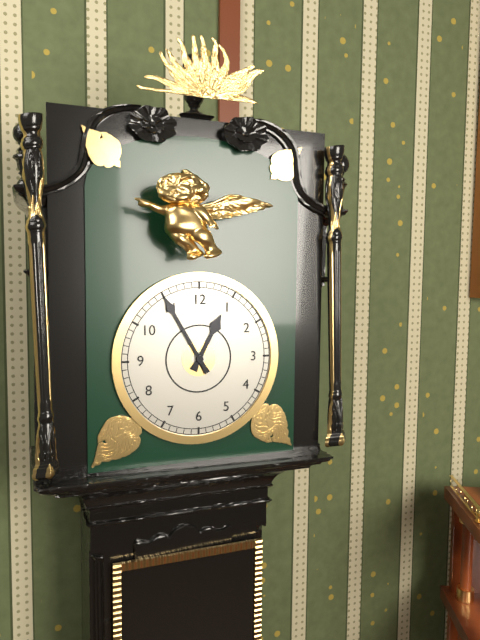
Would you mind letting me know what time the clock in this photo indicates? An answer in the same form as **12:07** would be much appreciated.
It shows **12:55**
